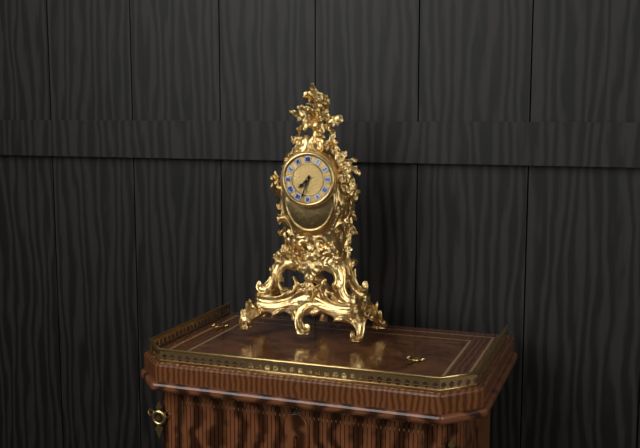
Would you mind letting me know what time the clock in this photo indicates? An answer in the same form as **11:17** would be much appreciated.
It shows **7:33**
